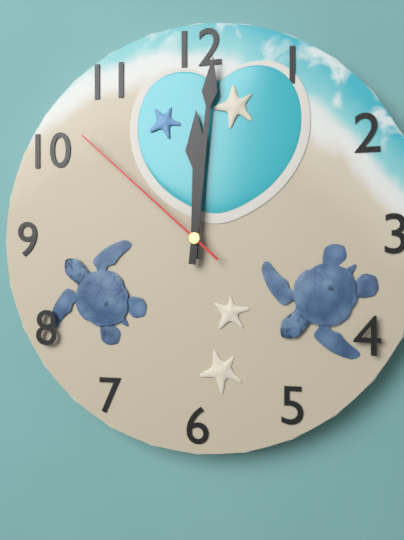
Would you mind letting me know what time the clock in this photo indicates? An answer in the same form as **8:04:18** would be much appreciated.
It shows **12:01:52**
